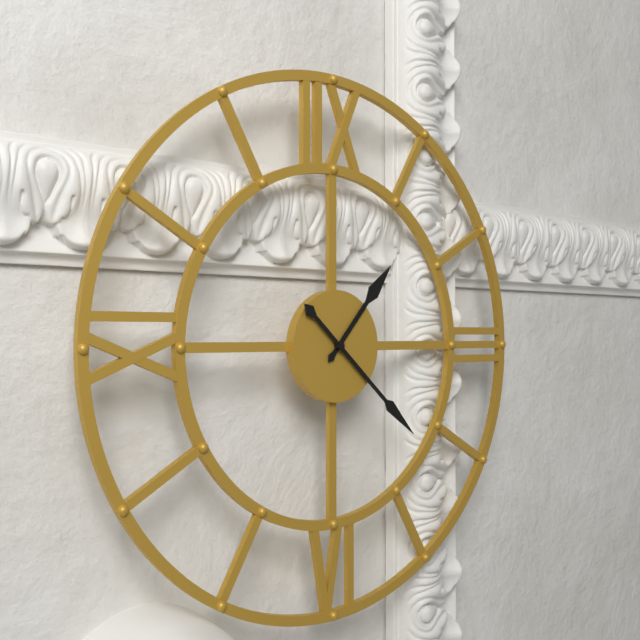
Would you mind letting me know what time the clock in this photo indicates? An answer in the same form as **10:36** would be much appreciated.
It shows **1:22**
